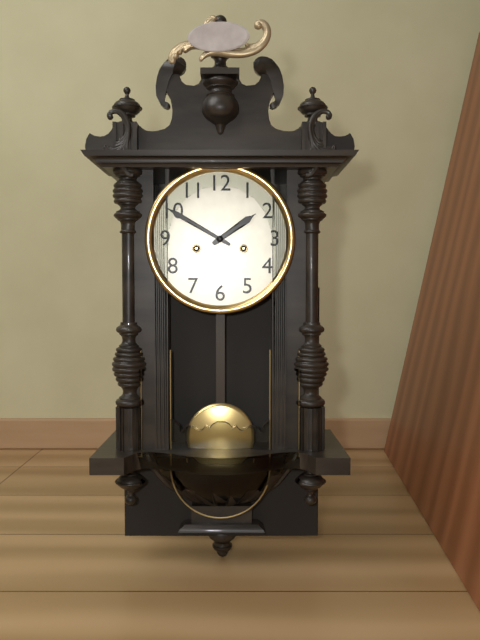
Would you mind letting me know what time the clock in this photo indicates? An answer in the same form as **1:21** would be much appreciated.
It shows **1:50**
